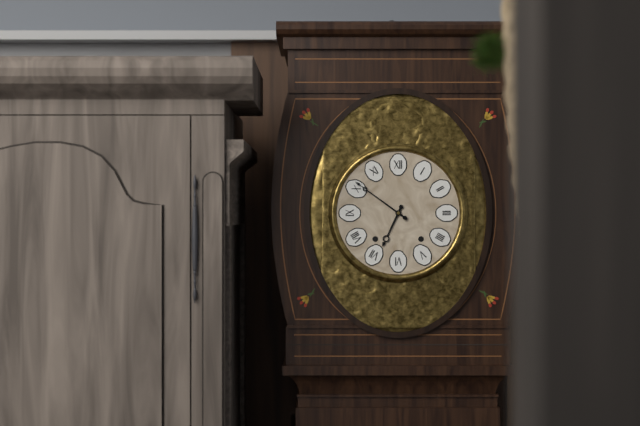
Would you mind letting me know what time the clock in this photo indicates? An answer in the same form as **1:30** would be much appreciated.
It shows **6:51**
